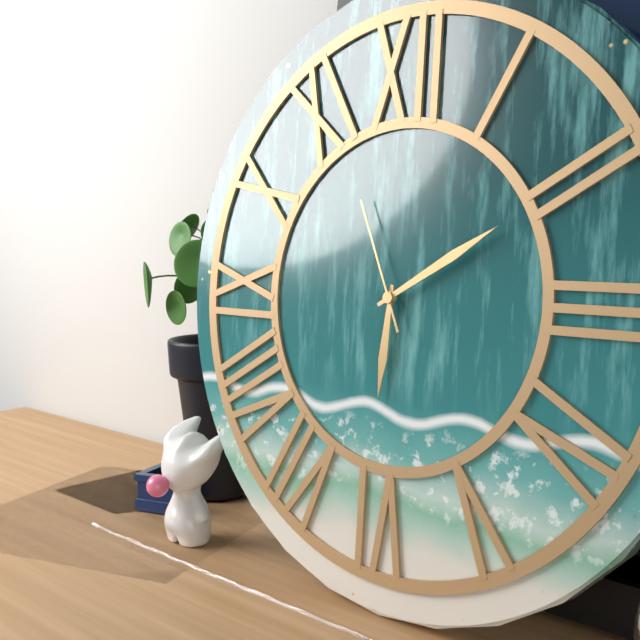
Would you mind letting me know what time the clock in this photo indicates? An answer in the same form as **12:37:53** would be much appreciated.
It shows **6:10:56**
